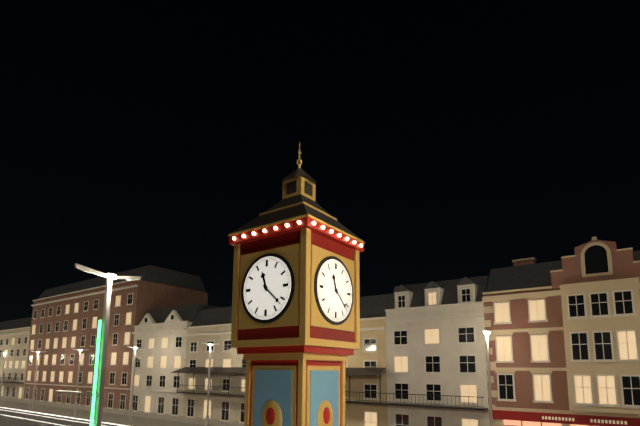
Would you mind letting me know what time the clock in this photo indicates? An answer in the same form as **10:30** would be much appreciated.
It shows **11:22**
